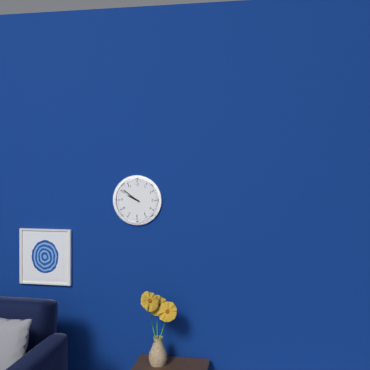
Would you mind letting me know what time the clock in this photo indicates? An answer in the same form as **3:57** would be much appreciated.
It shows **9:51**
